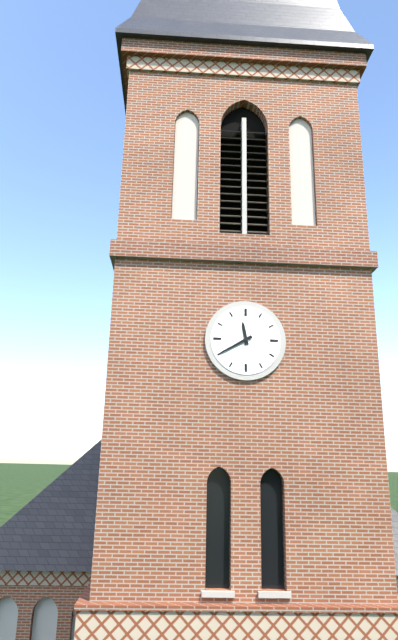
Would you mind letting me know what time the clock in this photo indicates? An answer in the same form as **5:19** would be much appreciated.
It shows **11:40**
